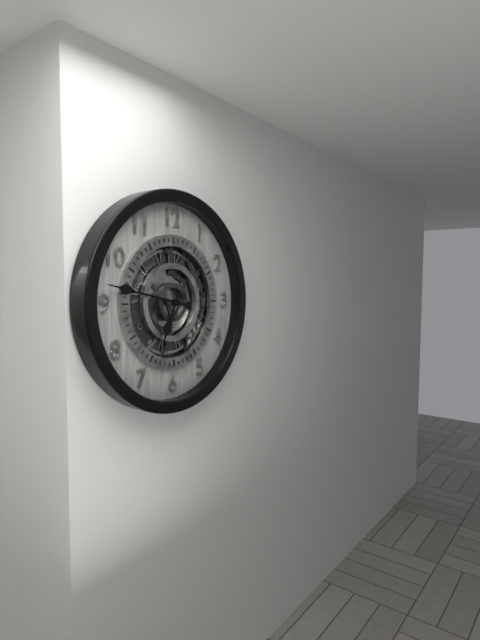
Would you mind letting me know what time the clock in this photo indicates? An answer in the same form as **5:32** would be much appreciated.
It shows **6:47**
